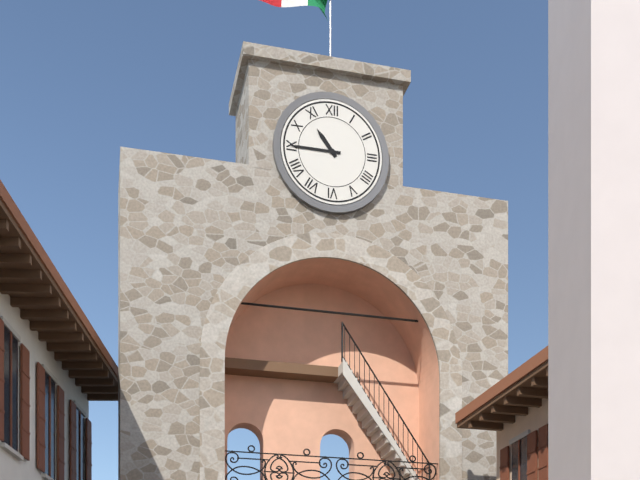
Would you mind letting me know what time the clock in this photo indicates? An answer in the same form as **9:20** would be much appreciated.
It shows **10:45**
